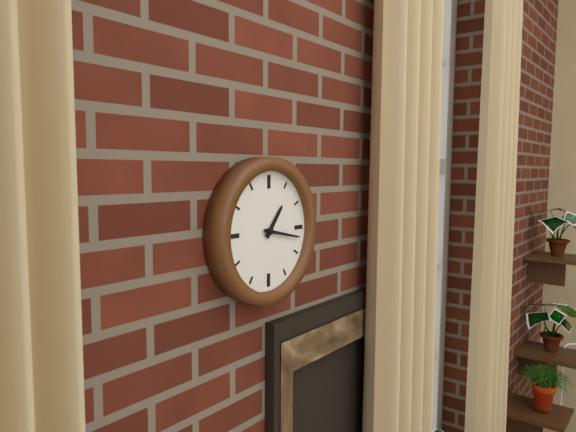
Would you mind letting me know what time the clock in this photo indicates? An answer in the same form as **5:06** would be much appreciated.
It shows **1:17**
